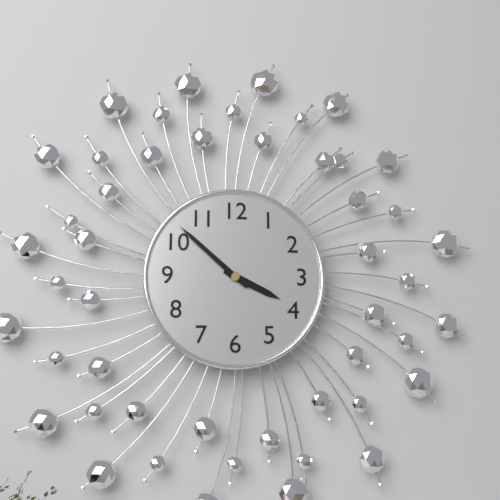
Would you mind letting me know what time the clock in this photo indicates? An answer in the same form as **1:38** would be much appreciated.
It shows **3:52**
